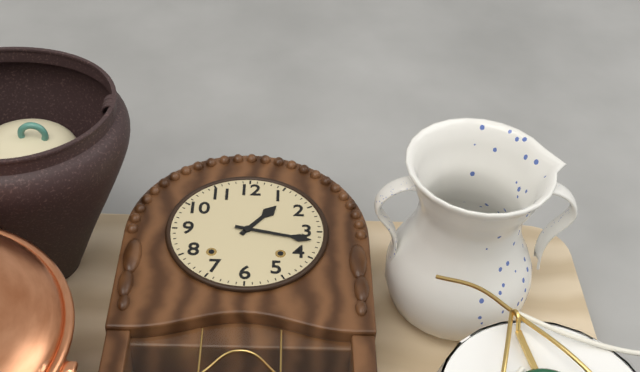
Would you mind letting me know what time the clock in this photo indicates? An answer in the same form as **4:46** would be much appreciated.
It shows **1:17**
